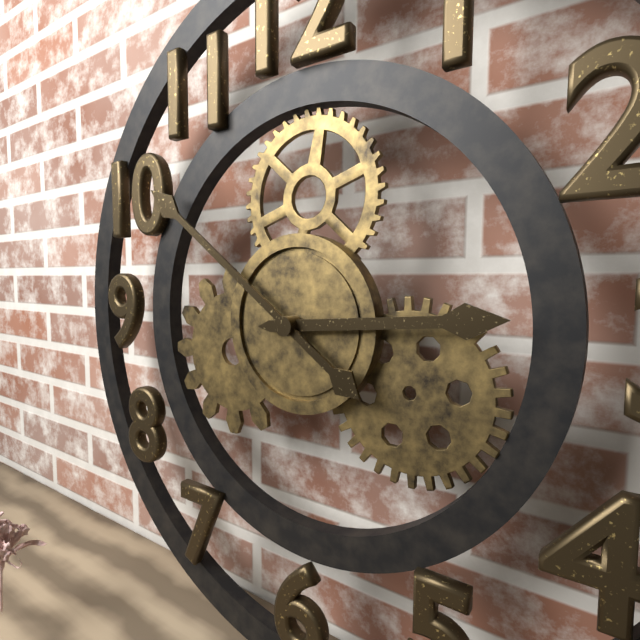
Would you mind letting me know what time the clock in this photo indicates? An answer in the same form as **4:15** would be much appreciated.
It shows **2:51**
